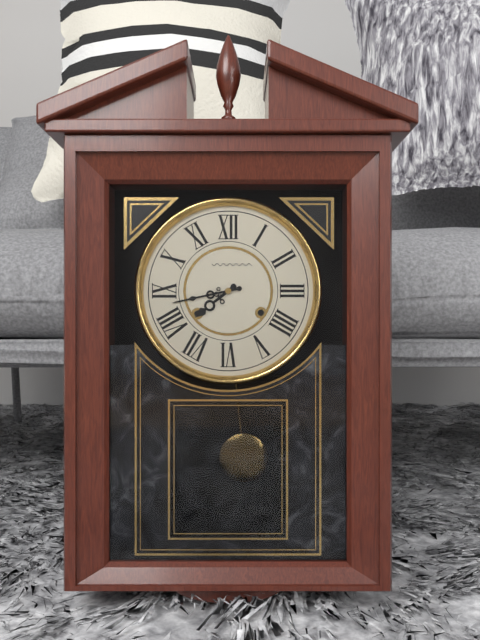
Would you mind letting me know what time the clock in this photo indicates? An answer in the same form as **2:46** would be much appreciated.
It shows **7:43**
